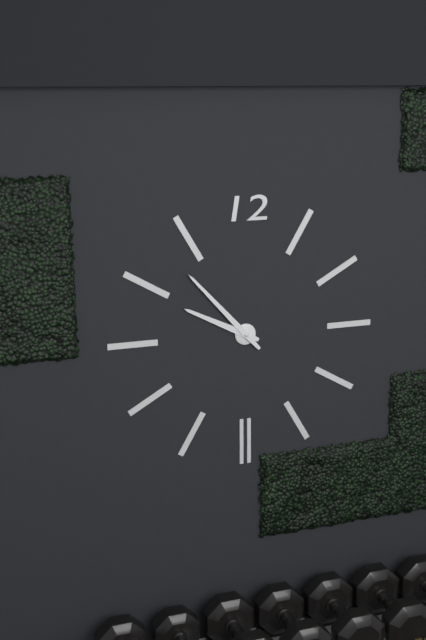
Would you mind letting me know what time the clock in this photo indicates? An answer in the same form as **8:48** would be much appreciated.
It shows **9:53**
